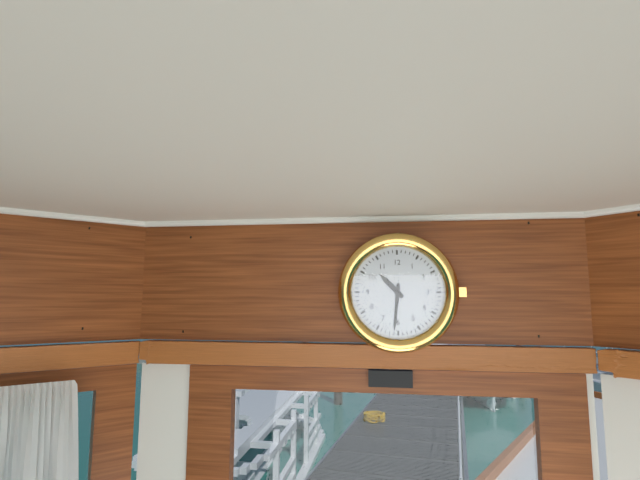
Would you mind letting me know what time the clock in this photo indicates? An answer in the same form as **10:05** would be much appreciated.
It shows **10:31**
